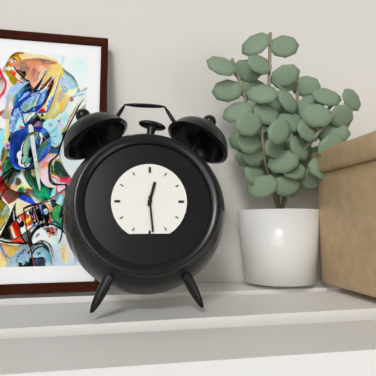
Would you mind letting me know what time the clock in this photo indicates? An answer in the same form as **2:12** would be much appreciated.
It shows **12:29**
